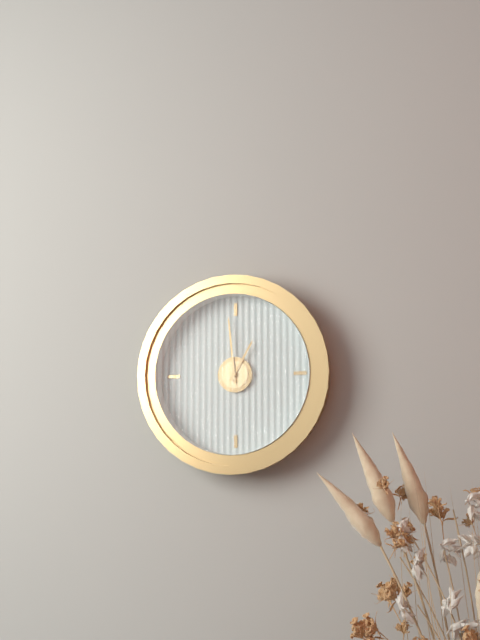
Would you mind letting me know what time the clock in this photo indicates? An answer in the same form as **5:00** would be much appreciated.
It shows **12:59**
